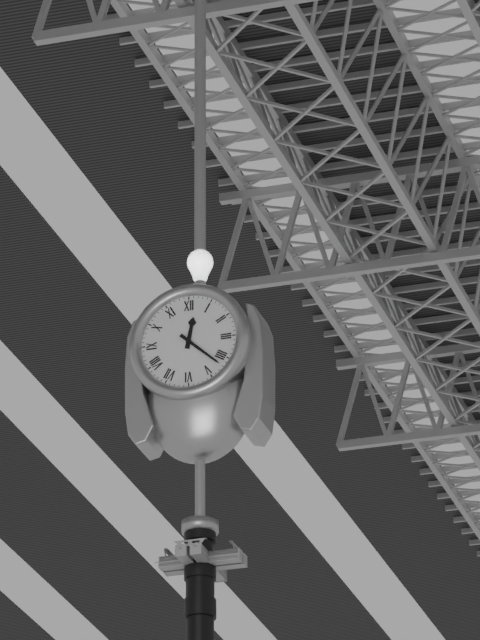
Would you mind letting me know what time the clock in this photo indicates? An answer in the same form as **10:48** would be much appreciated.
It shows **12:22**
